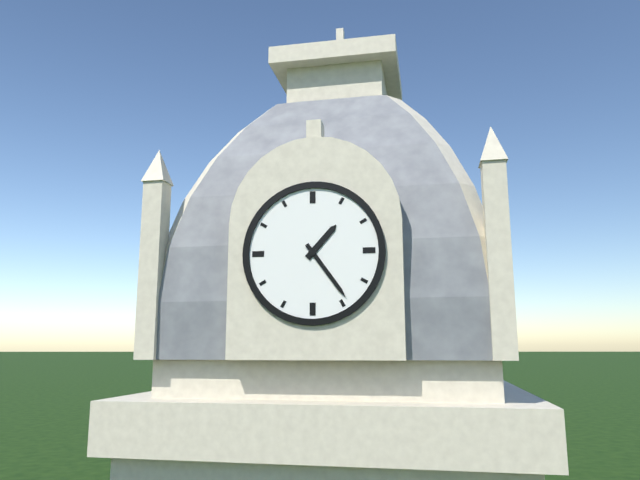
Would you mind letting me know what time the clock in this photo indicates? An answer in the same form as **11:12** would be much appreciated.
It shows **1:24**
